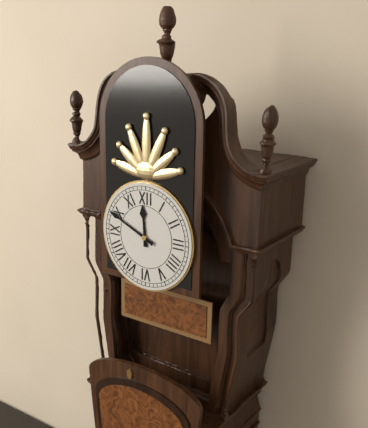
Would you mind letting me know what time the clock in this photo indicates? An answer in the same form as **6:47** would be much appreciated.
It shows **11:49**
